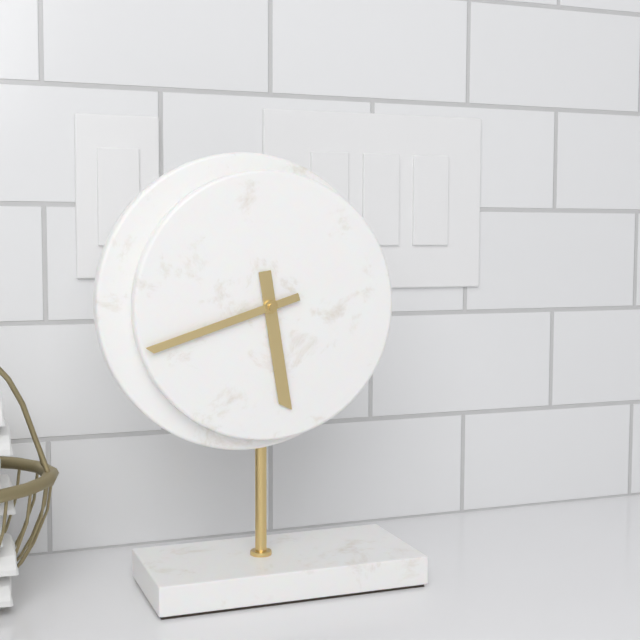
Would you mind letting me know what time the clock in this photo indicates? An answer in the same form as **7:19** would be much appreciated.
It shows **5:42**
